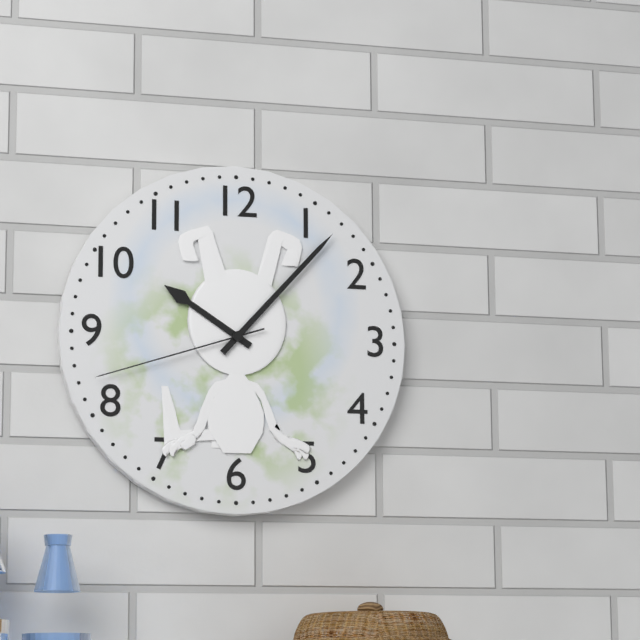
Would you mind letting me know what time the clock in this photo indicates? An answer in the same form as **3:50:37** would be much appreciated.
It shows **10:07:42**
